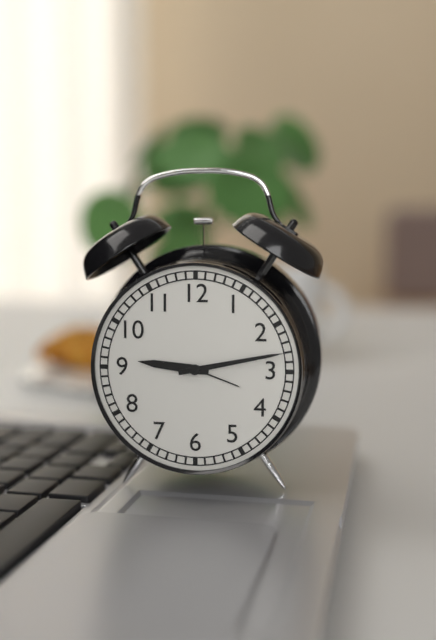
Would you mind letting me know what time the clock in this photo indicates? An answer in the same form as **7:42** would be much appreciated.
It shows **9:13**
